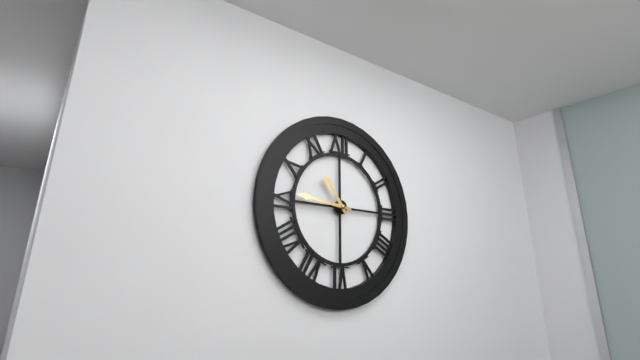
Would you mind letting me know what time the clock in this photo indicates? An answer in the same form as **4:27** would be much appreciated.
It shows **10:46**
